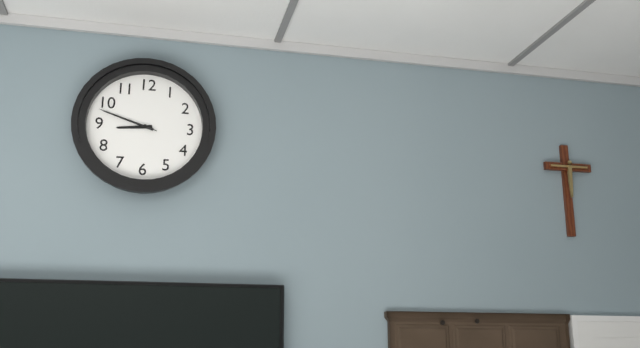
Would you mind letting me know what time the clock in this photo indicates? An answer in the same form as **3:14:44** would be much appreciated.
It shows **8:48:48**
